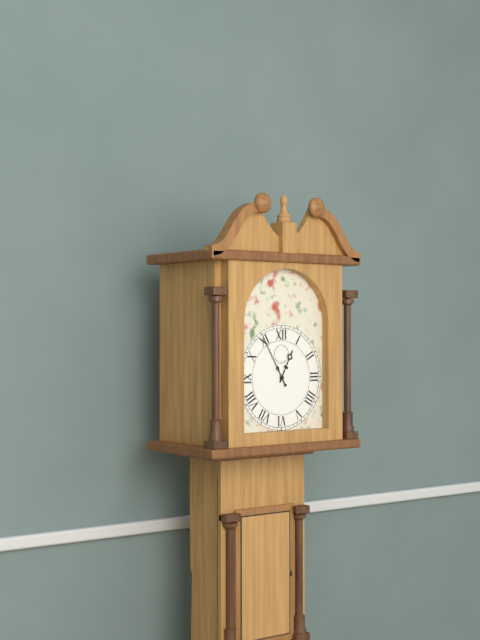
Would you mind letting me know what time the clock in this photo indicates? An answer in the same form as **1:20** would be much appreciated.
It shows **12:55**
